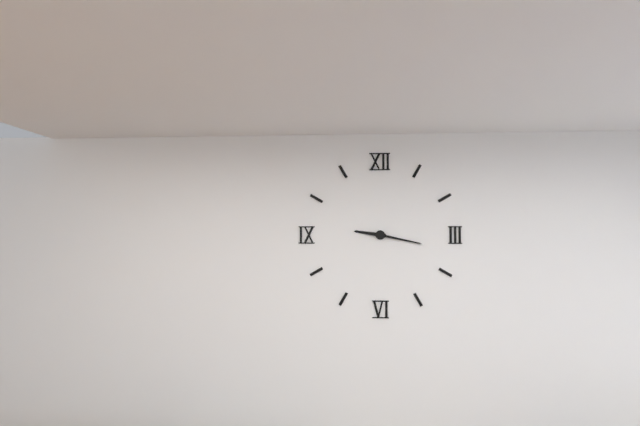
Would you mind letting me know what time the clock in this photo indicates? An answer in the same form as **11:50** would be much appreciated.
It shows **9:17**
